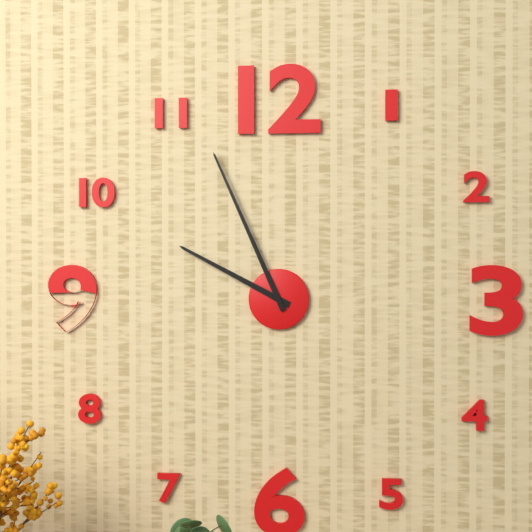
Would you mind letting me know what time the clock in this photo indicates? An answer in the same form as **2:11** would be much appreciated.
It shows **9:56**
